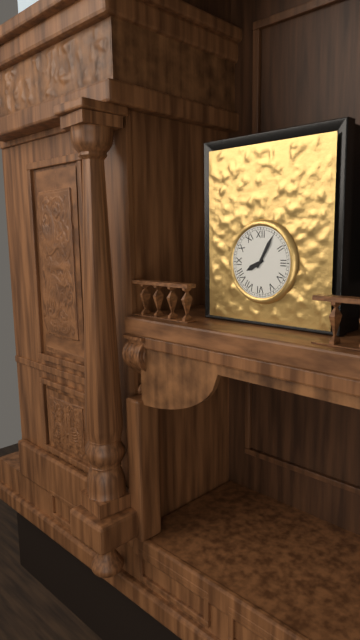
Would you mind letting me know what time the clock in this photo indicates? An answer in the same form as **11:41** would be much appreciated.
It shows **8:05**
